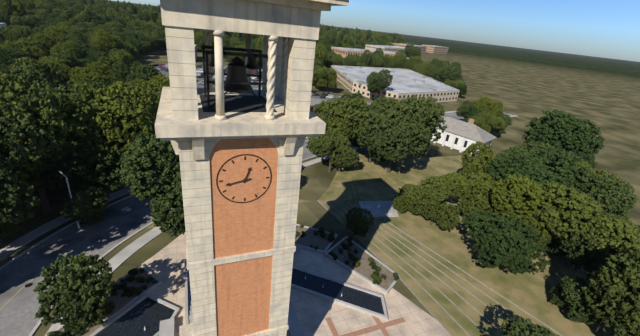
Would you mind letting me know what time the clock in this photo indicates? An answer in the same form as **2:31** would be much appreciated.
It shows **12:43**
